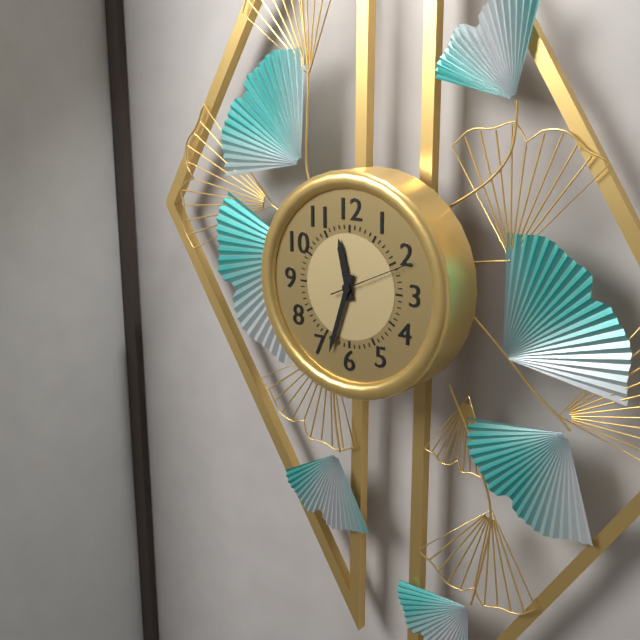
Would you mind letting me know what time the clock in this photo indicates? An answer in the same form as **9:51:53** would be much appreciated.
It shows **11:33:11**
